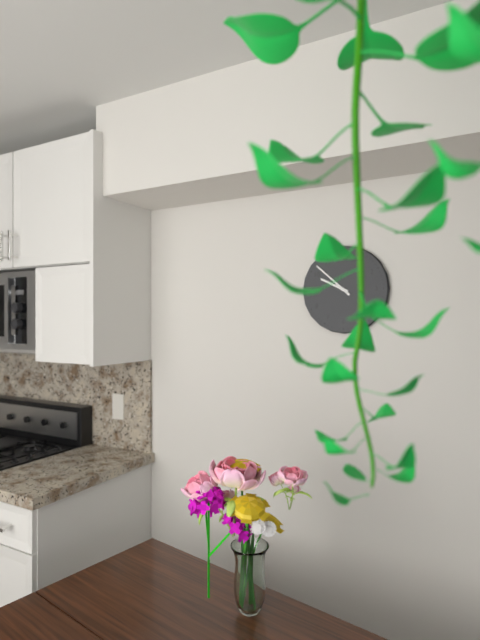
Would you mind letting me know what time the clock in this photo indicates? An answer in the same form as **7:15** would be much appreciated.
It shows **9:52**
